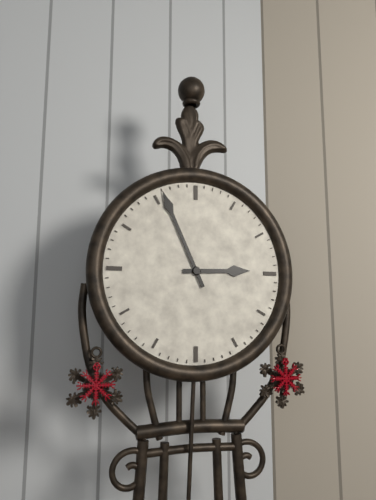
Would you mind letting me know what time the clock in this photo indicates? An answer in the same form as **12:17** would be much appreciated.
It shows **2:56**
